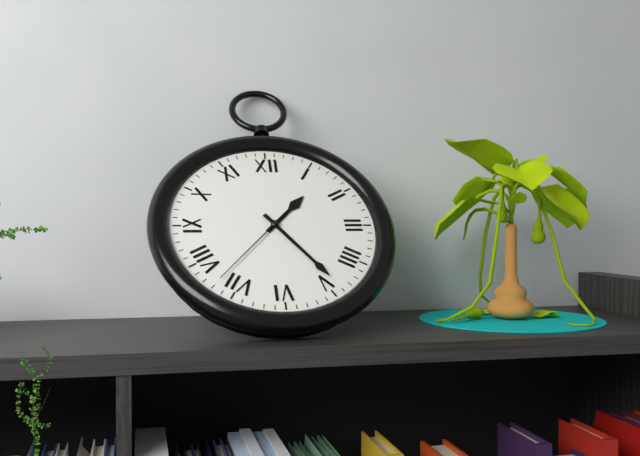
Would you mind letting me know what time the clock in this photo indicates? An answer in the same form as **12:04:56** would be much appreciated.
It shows **1:24:37**
